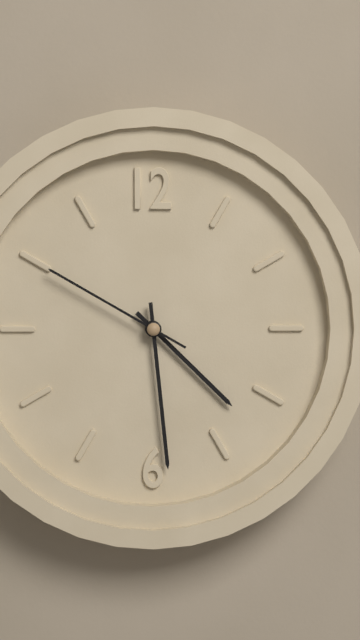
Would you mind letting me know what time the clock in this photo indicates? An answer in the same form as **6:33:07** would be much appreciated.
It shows **4:29:50**
